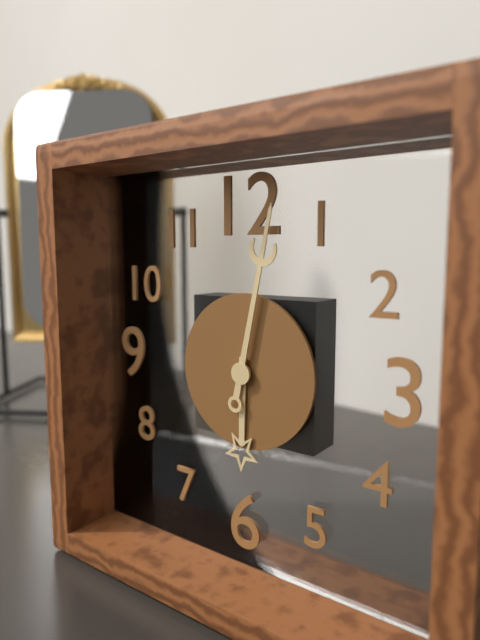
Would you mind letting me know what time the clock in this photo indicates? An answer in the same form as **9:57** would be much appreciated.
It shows **6:02**
